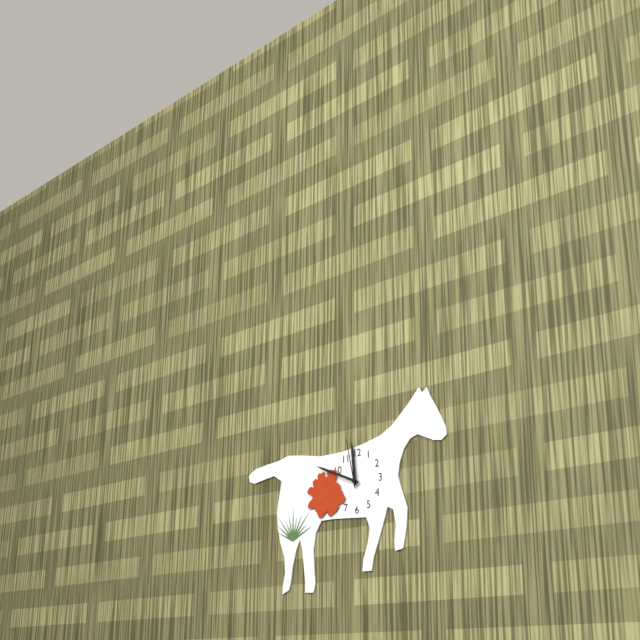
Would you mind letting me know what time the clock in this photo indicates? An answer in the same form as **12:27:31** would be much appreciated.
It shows **11:49:58**
